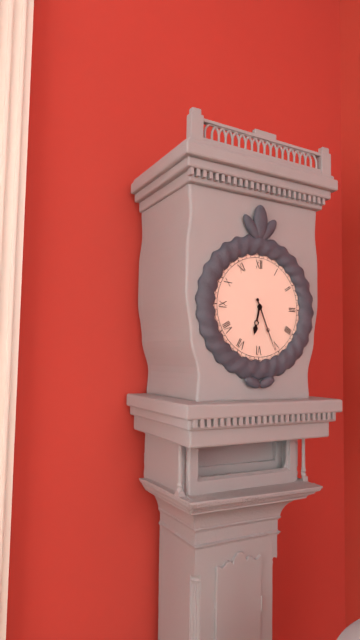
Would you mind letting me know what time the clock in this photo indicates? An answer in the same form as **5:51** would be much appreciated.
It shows **6:26**
